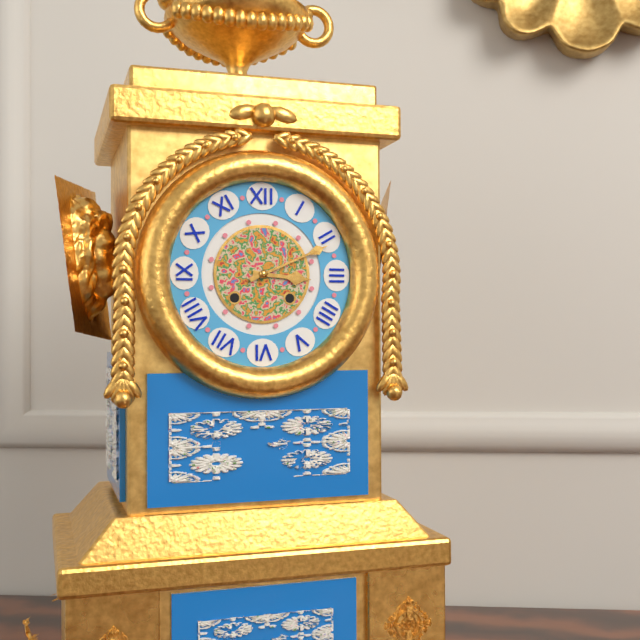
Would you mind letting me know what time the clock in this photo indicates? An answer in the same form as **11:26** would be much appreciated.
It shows **3:11**
